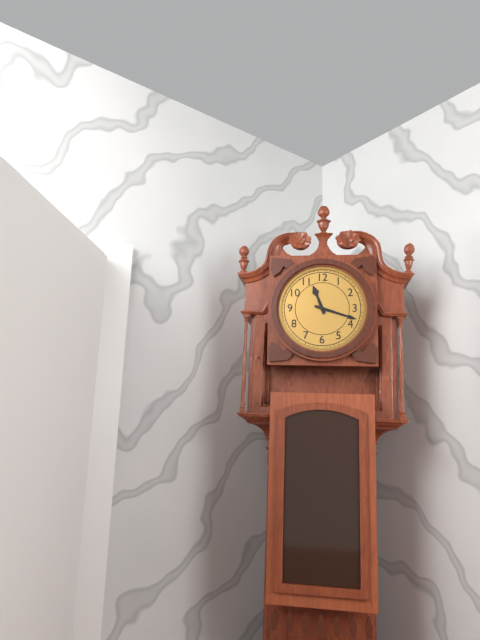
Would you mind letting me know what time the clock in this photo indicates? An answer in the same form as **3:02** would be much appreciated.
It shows **11:18**
